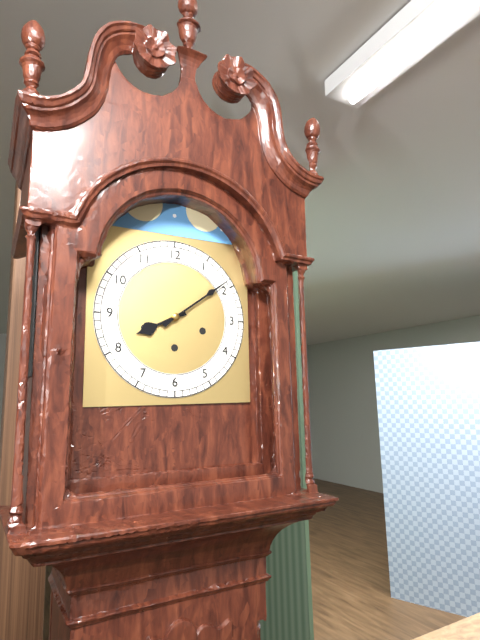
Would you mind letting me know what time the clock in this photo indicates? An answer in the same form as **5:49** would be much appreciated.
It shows **8:09**
